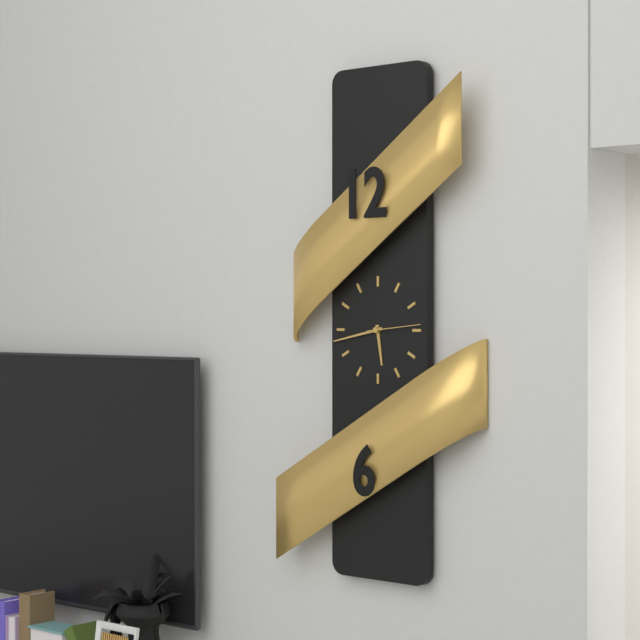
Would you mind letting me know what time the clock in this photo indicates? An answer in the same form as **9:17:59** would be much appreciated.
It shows **5:43:14**
